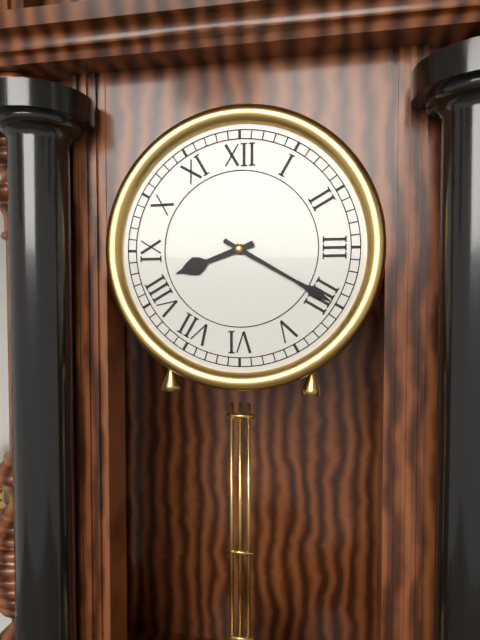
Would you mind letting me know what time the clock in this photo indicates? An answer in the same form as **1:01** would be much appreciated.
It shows **8:20**
